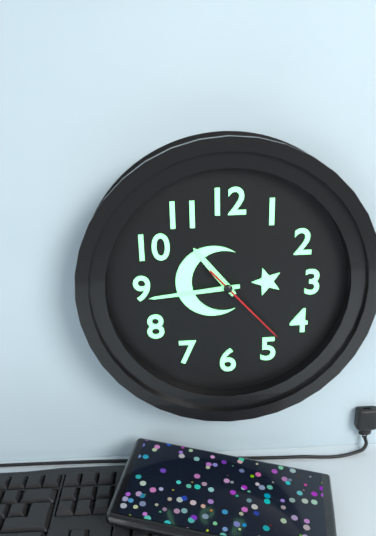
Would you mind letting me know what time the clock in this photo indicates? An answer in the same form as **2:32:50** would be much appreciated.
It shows **10:44:23**
